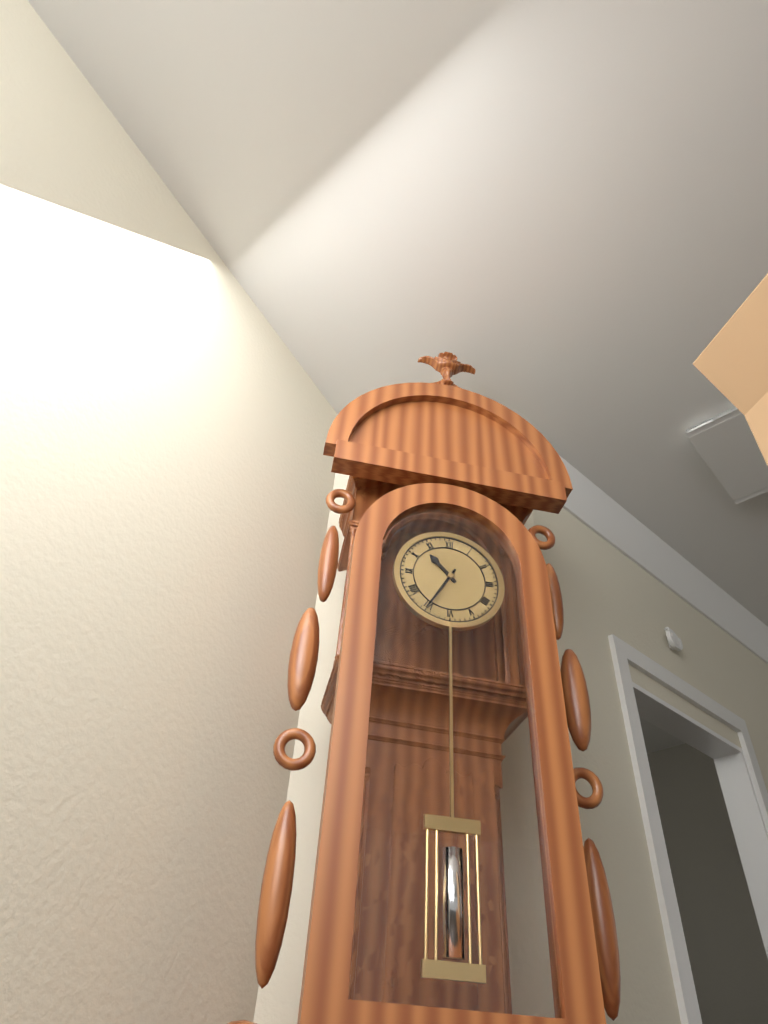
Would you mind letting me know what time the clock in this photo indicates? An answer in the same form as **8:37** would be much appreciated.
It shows **10:35**
